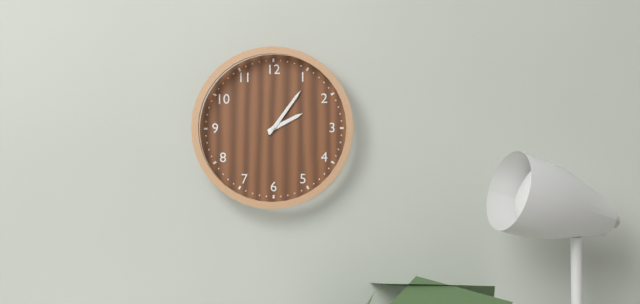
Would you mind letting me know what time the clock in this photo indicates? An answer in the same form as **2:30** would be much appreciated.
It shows **2:06**
